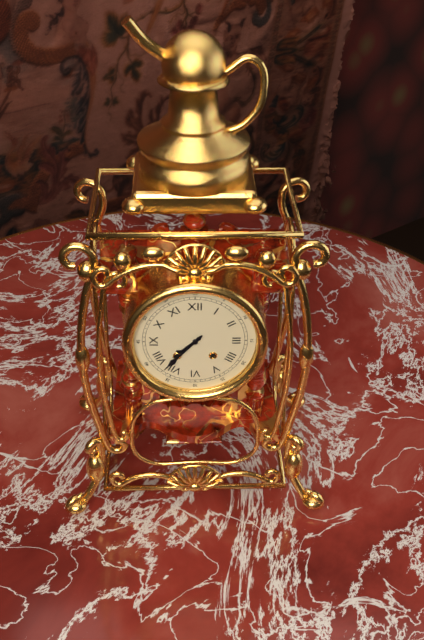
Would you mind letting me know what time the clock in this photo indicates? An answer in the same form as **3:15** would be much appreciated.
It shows **7:37**
